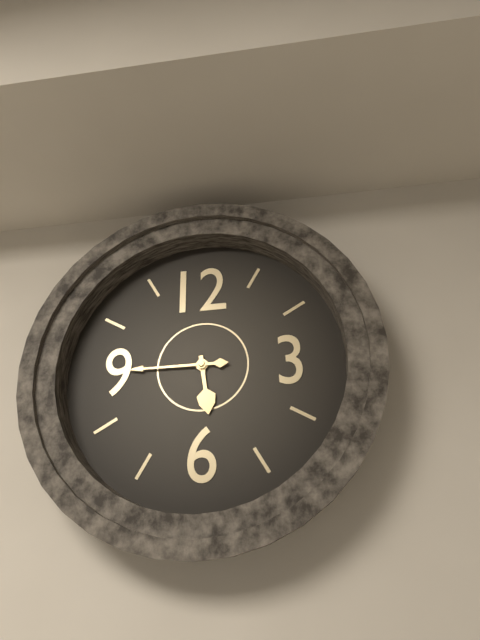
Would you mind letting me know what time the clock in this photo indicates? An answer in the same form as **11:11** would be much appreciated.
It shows **5:45**
